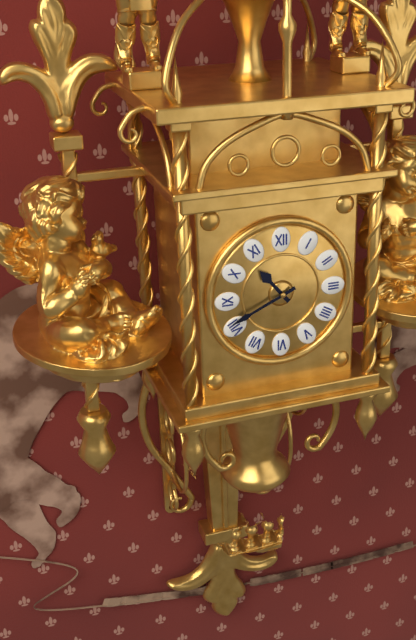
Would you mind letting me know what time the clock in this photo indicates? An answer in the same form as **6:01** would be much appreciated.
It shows **10:41**
